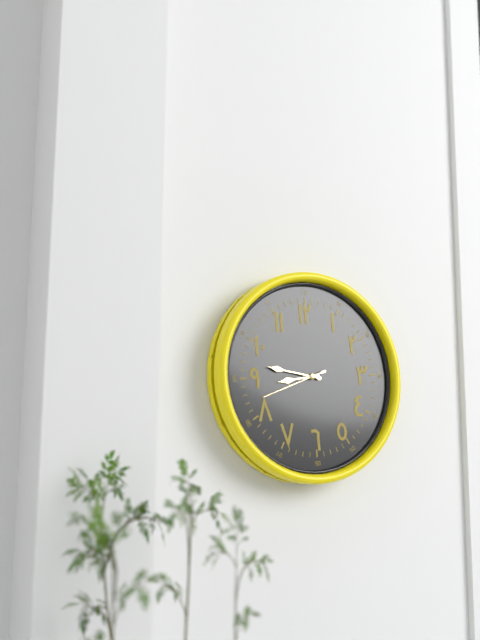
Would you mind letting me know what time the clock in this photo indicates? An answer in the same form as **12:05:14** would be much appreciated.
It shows **8:47:42**
